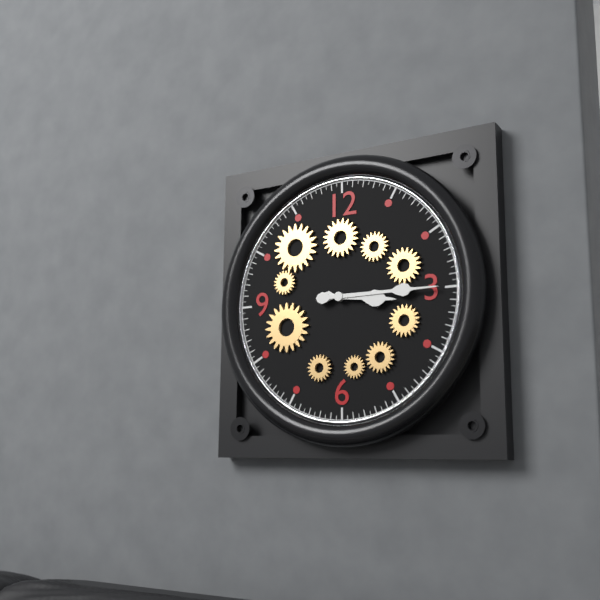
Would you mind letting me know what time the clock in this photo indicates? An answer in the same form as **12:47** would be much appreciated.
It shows **3:15**
